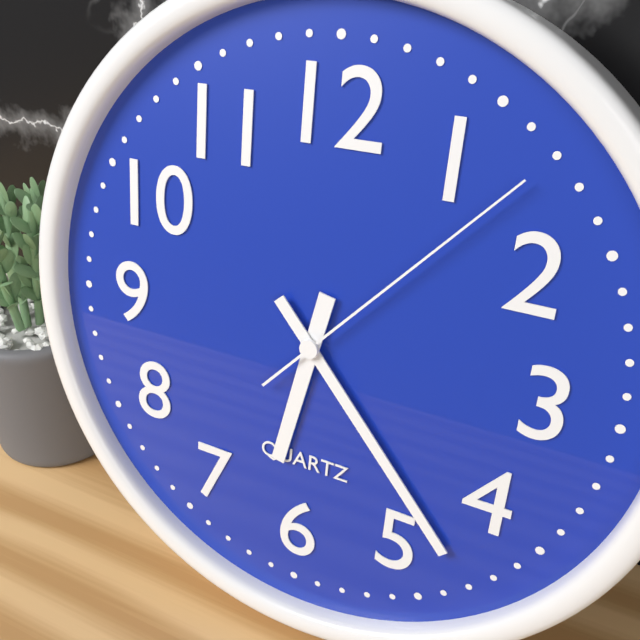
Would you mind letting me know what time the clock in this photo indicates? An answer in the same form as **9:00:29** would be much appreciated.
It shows **6:23:07**
